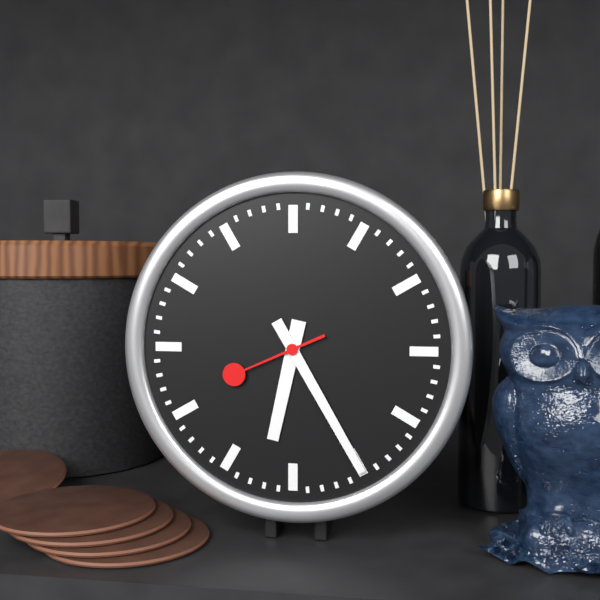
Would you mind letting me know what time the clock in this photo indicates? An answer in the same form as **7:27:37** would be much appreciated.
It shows **6:25:41**
